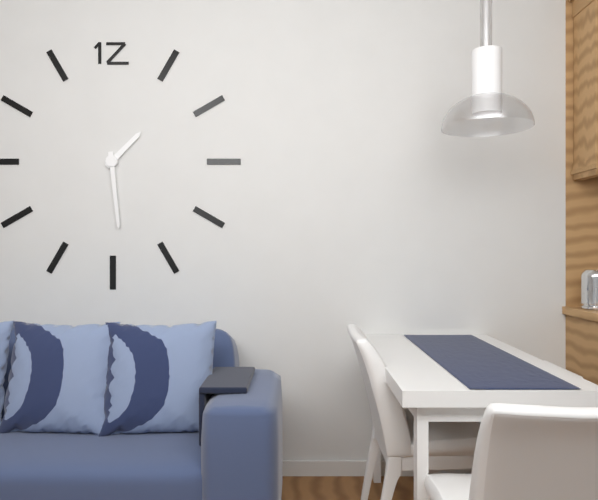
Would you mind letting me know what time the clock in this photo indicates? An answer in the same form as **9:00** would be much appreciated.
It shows **1:29**
